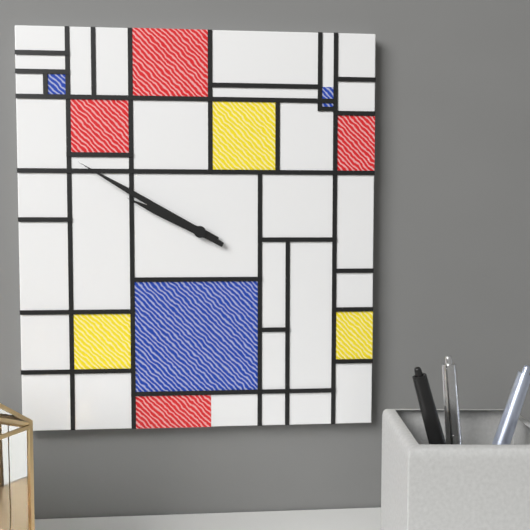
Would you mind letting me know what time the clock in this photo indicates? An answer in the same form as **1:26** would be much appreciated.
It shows **9:50**
